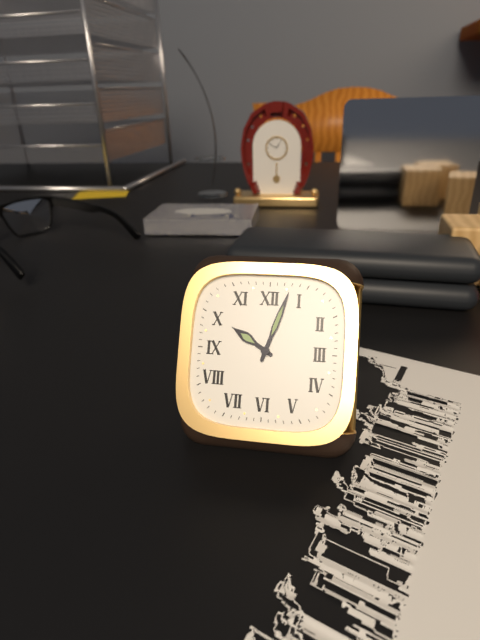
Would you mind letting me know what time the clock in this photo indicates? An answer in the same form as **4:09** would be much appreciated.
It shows **10:03**
